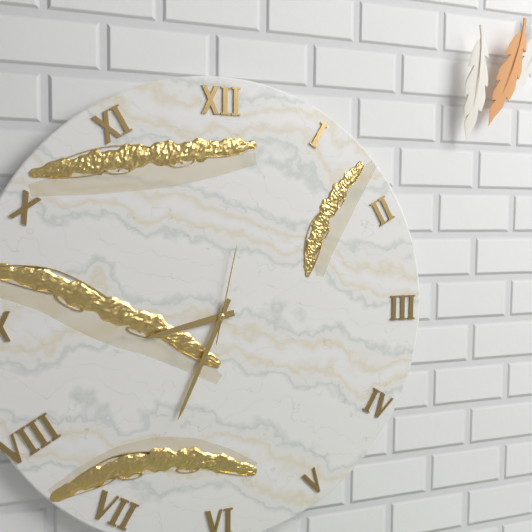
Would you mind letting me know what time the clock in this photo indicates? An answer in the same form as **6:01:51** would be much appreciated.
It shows **8:34:02**
